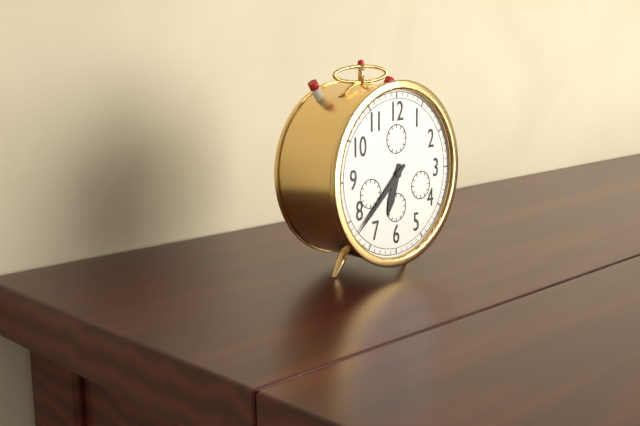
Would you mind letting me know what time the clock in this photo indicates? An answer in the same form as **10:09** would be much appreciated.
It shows **6:38**
